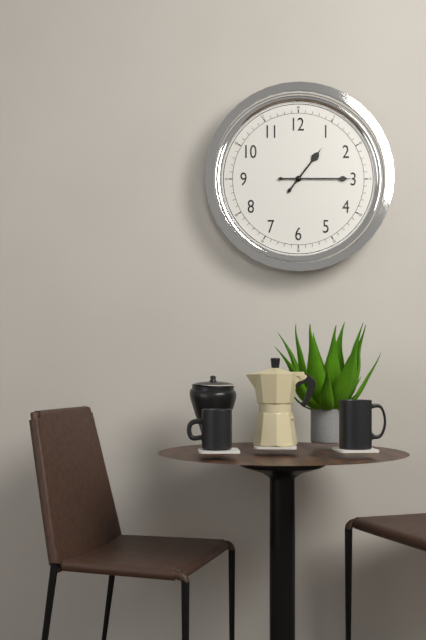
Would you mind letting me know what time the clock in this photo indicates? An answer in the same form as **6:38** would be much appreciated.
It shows **1:15**
